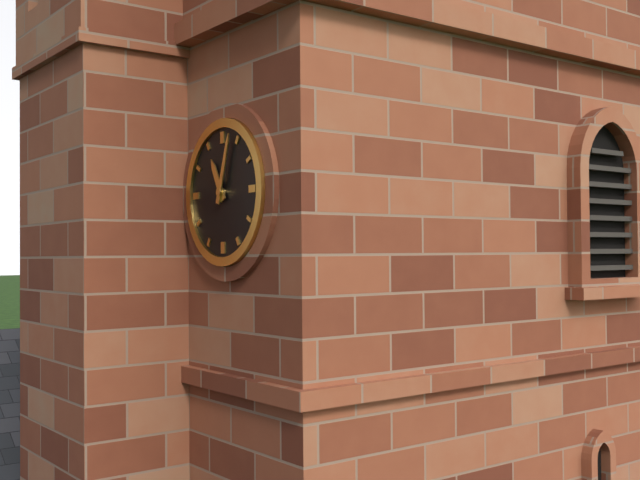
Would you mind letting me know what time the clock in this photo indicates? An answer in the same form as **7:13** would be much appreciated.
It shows **11:03**
